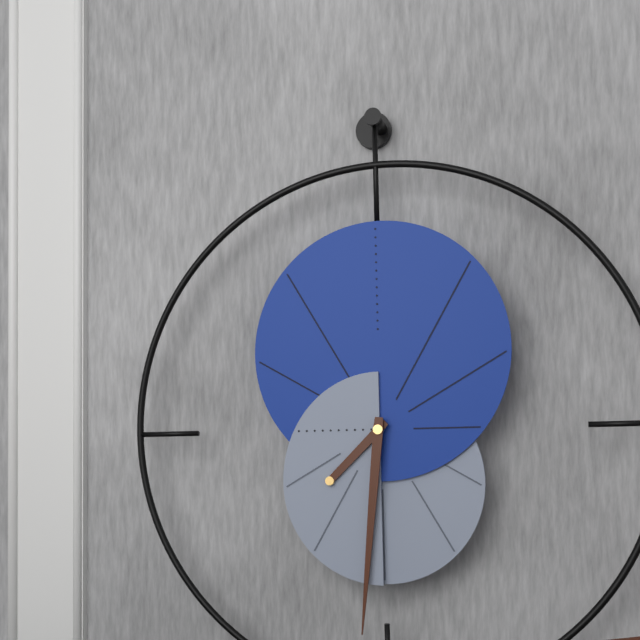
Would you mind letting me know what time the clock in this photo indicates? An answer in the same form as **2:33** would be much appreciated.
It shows **7:31**
